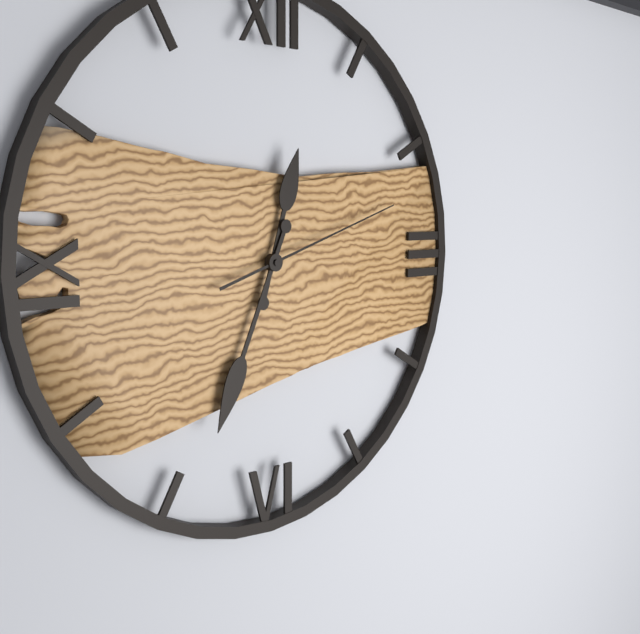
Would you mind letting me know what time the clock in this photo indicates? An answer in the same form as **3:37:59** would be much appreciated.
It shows **12:34:12**
